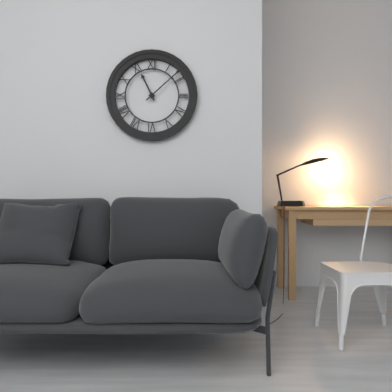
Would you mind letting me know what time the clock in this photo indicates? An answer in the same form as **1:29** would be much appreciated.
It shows **11:08**
